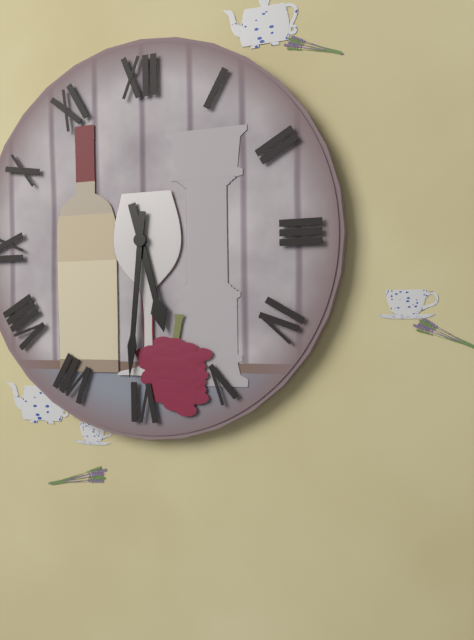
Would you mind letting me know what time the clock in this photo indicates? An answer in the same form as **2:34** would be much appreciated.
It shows **5:31**
